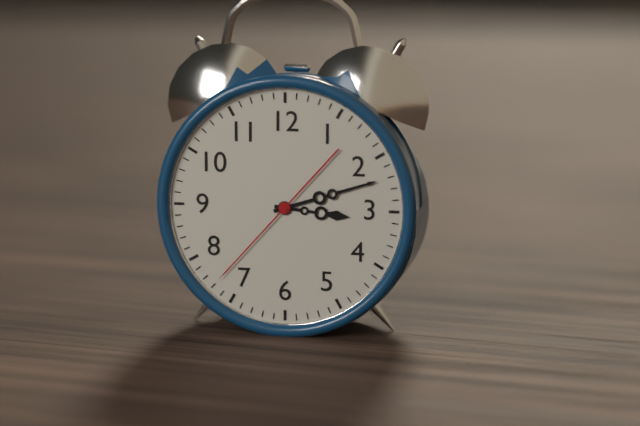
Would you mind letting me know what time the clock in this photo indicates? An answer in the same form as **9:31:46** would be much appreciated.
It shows **3:12:37**
